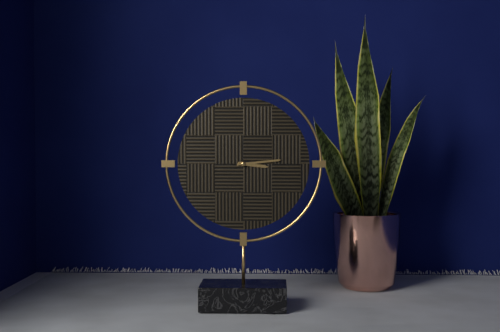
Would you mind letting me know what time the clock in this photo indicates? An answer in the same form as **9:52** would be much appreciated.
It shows **3:14**
